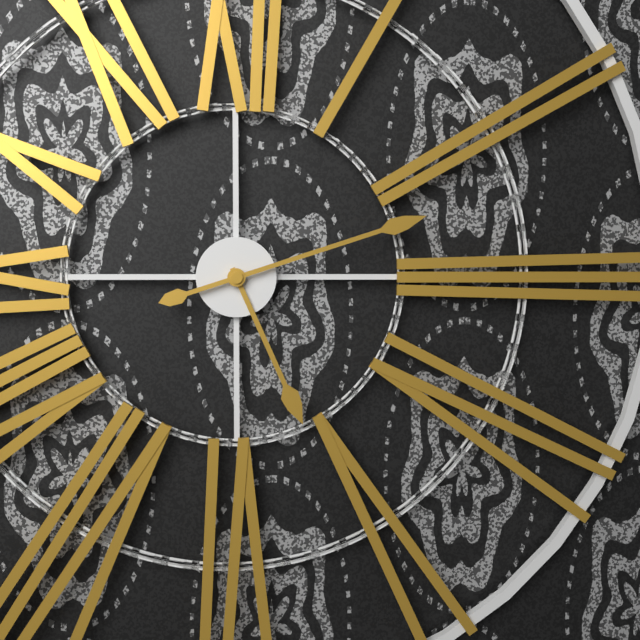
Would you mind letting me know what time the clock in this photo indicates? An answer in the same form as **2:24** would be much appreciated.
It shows **5:12**
